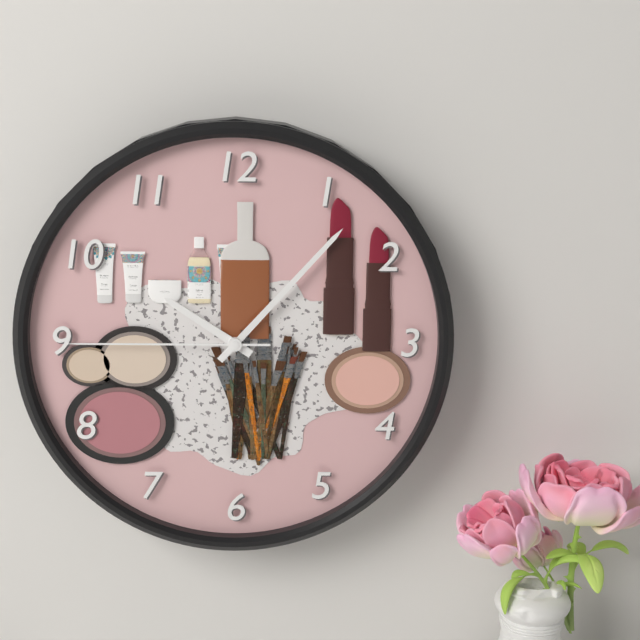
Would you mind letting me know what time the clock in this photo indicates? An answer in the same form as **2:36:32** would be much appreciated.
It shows **10:07:45**
